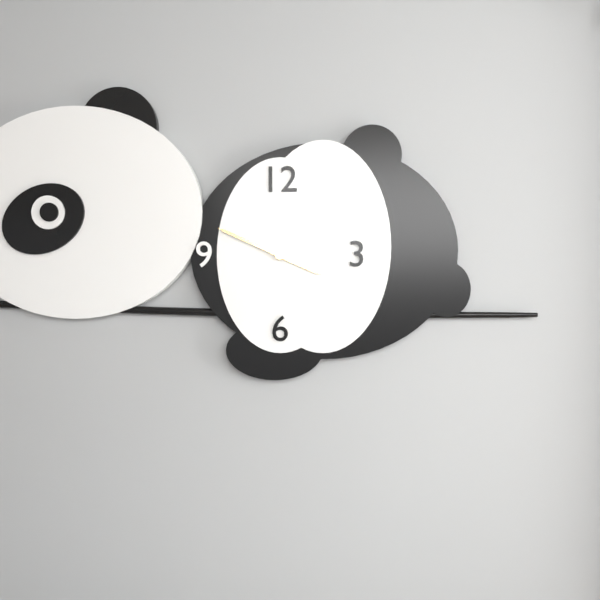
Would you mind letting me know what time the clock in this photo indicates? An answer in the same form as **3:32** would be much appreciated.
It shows **3:49**
